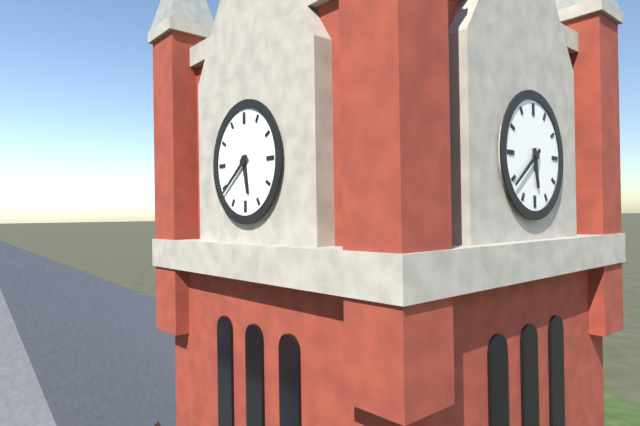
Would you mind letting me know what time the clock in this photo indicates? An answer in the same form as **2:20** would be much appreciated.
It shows **5:39**
